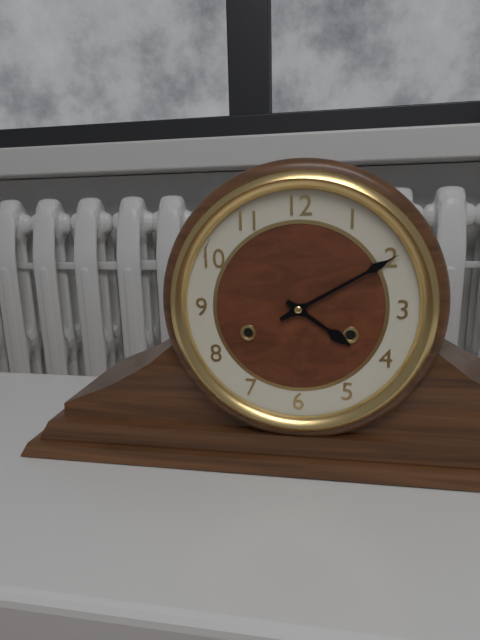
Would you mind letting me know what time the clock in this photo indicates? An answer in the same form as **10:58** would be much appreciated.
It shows **4:10**
